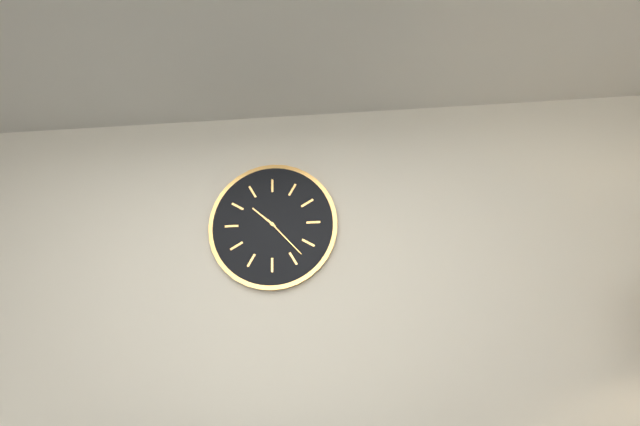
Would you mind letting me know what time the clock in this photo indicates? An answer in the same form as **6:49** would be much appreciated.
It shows **10:23**
